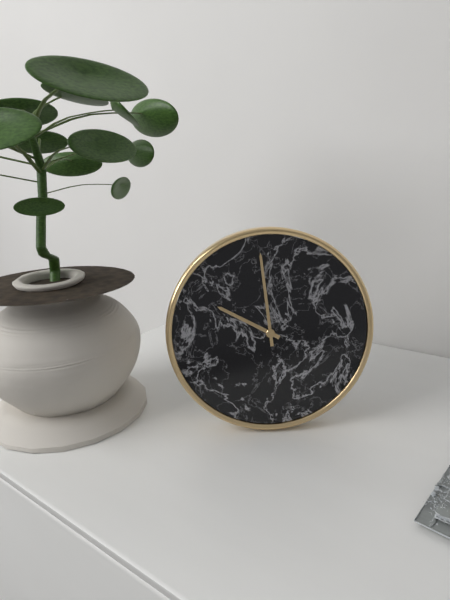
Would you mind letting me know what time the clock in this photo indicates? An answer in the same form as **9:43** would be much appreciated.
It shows **9:59**
